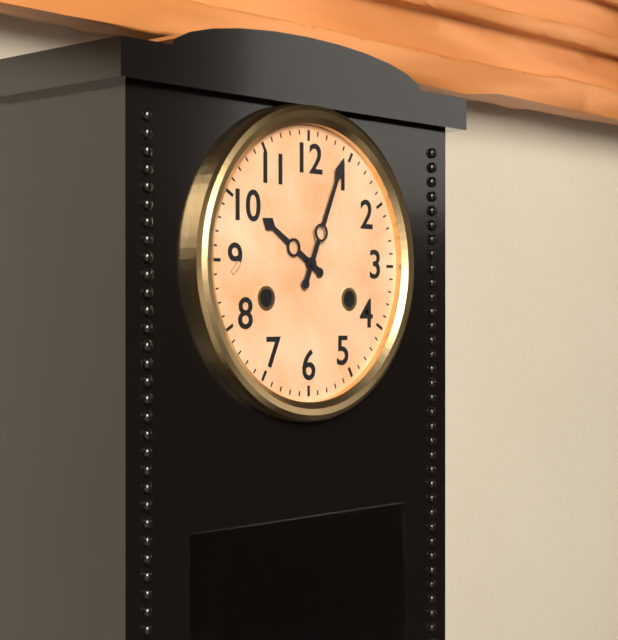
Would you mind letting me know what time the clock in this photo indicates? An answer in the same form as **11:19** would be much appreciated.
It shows **10:04**
